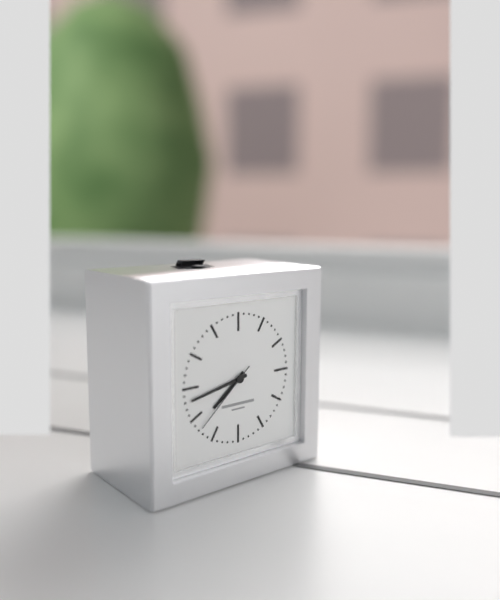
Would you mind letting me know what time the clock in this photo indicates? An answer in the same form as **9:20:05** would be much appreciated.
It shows **7:43:38**
